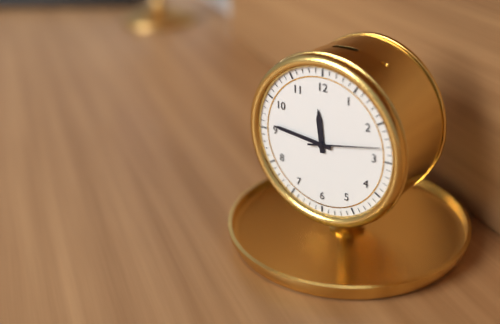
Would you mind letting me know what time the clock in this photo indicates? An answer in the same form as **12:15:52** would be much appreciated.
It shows **11:46:13**
